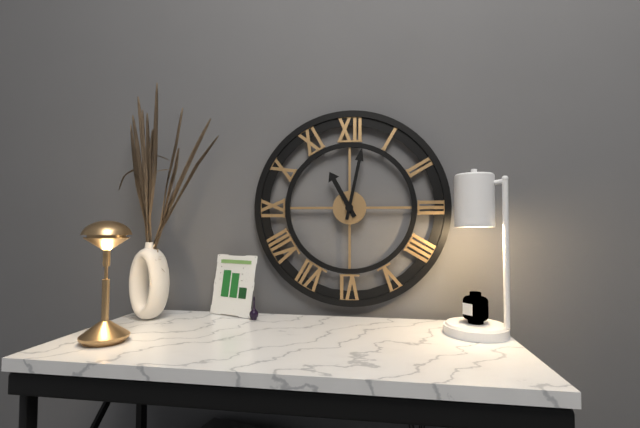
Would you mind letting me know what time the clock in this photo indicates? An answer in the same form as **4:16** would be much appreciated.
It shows **11:02**
